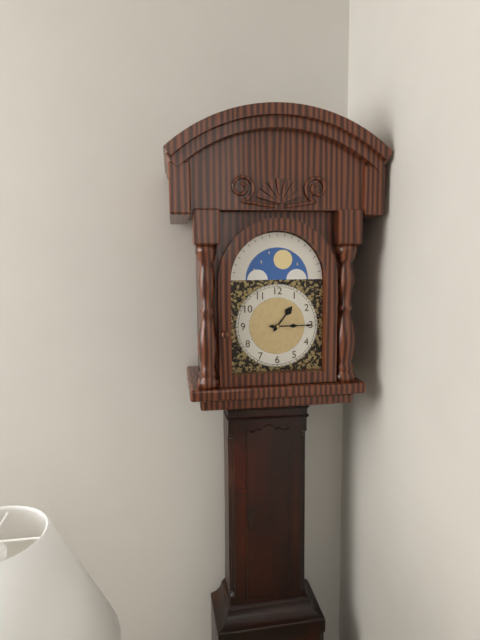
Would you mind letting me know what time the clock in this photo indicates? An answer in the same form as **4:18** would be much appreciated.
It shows **1:15**
